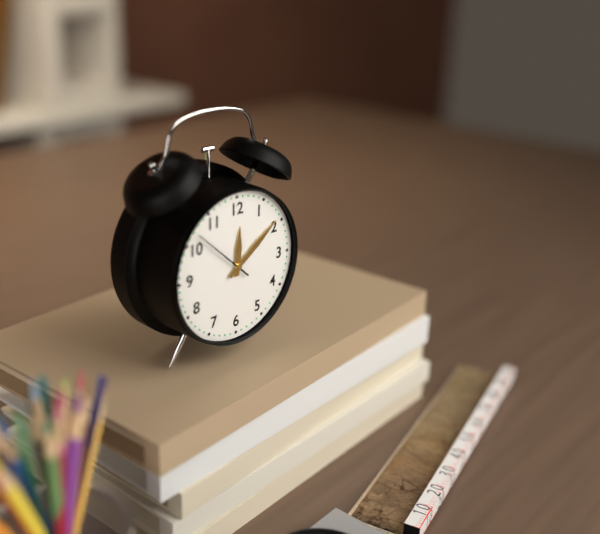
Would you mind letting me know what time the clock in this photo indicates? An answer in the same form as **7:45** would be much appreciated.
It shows **12:09**
